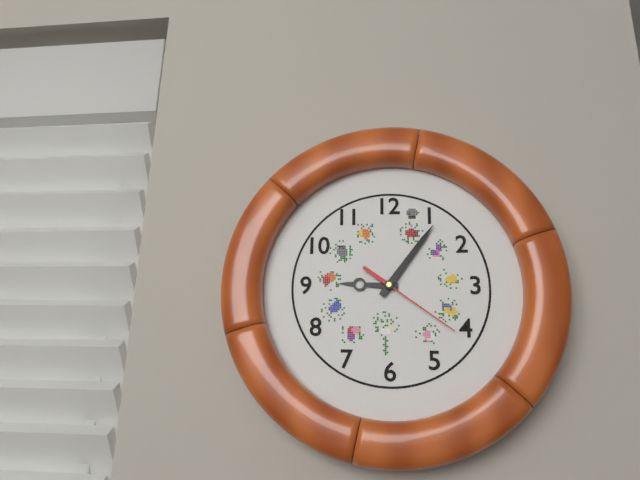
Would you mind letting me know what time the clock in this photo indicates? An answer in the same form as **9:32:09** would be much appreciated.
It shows **9:06:21**
